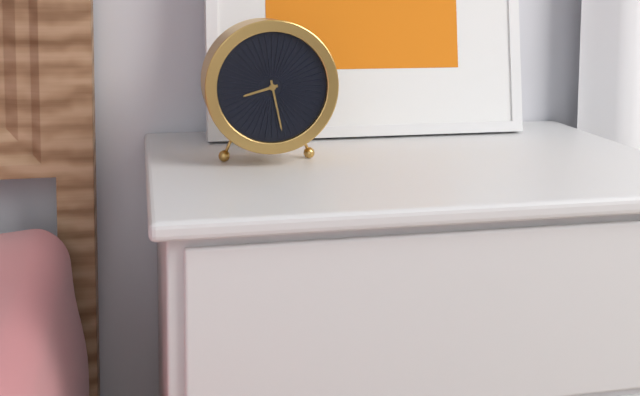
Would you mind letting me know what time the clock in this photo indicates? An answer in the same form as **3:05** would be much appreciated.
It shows **8:28**
